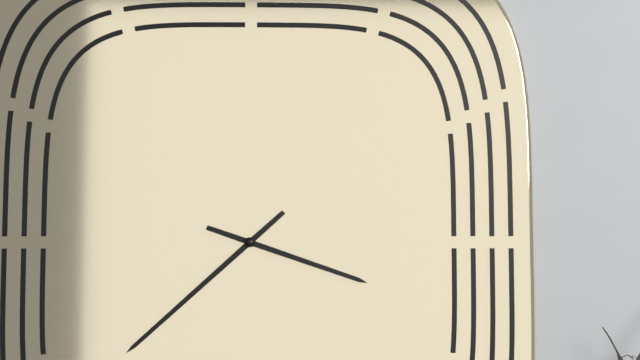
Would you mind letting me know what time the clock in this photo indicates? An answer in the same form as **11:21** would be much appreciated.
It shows **3:38**
